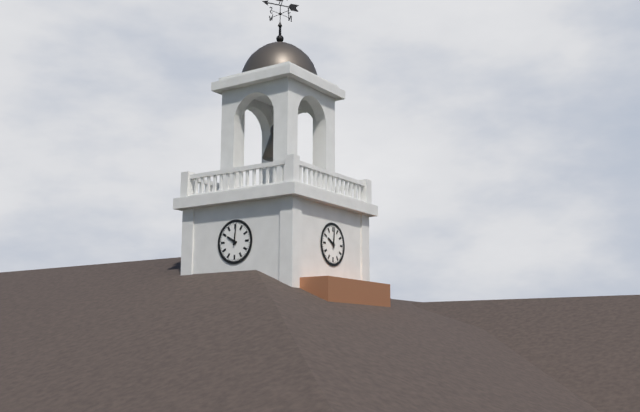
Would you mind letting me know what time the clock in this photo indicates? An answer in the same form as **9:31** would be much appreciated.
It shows **10:01**
